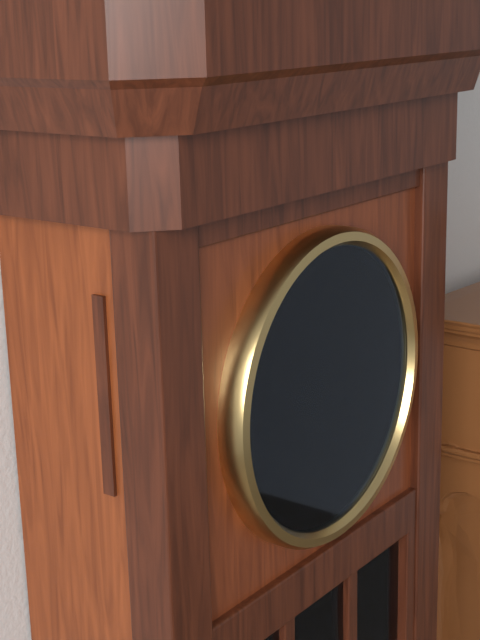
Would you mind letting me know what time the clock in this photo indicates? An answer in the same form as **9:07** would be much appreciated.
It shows **4:34**
